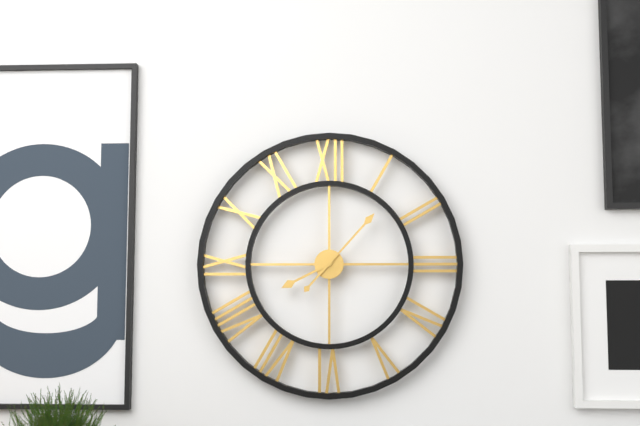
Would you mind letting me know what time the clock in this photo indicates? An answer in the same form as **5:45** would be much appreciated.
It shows **8:07**
